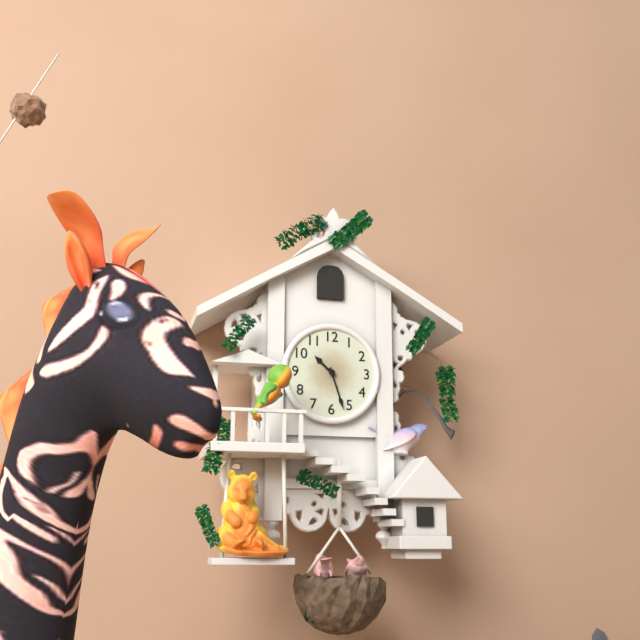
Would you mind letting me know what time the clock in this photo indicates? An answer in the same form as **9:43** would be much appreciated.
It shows **10:27**
